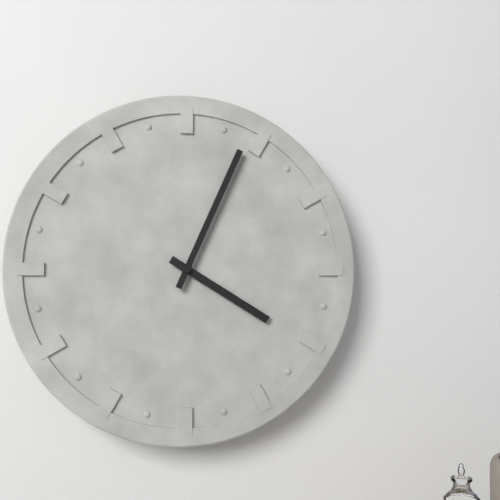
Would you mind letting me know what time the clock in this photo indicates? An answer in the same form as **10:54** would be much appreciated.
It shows **4:04**
